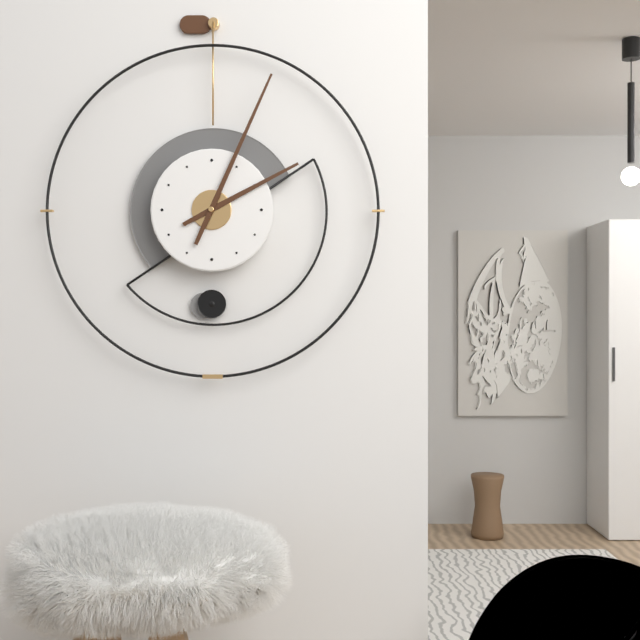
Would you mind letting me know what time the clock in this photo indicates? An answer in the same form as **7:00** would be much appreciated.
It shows **2:04**
